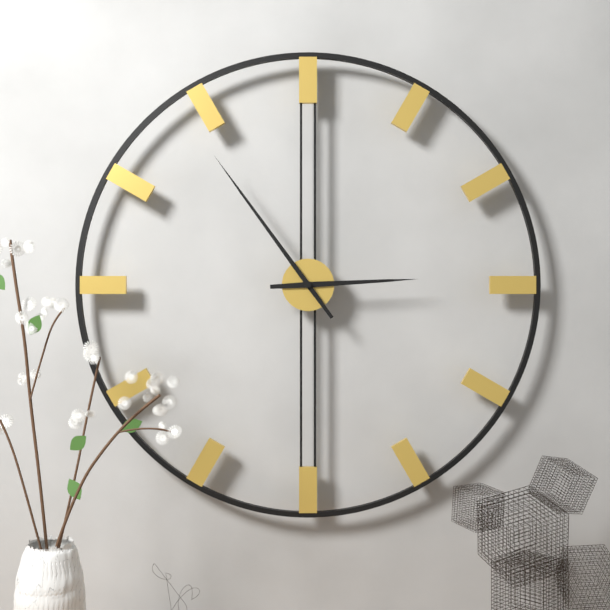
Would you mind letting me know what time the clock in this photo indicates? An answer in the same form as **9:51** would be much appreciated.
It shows **2:54**
